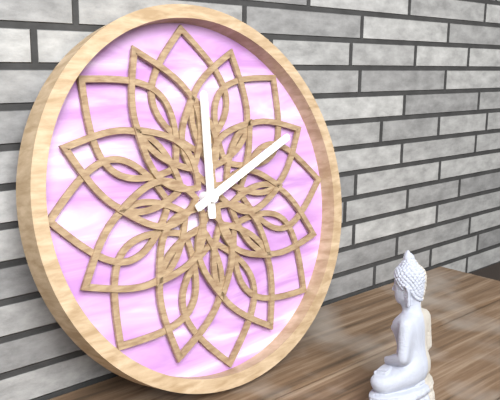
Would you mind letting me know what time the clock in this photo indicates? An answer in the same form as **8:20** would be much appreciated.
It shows **12:11**
